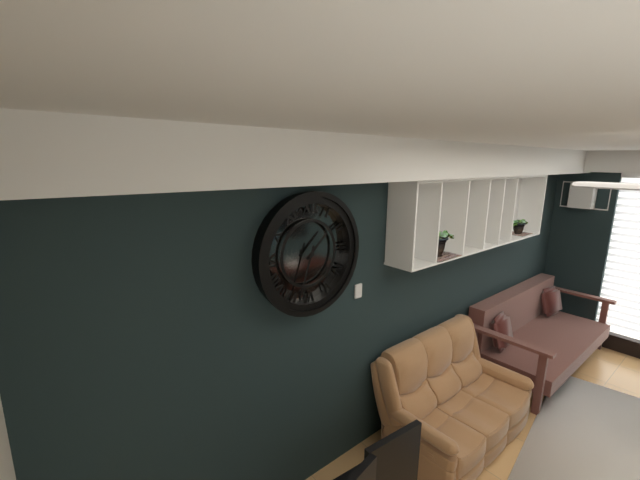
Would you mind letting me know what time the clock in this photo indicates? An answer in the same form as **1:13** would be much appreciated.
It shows **1:33**
